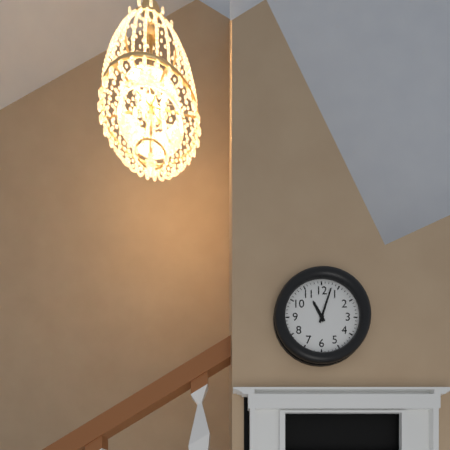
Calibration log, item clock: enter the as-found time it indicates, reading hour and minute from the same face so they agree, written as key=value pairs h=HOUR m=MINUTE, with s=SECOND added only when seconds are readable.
h=11 m=3
